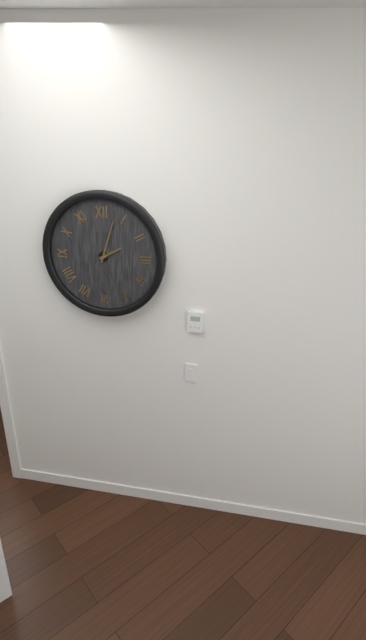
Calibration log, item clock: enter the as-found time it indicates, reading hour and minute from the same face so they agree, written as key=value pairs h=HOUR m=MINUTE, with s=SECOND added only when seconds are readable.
h=2 m=3
